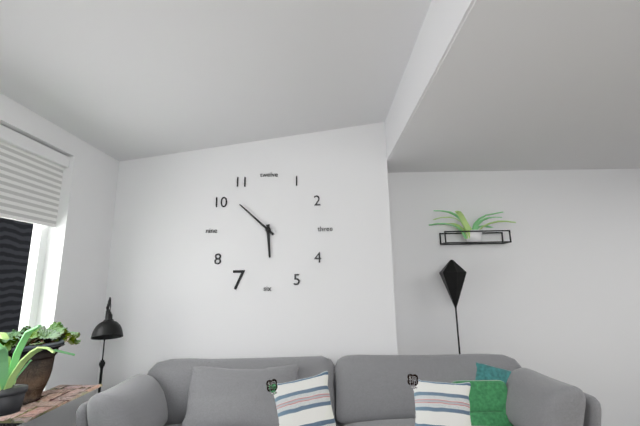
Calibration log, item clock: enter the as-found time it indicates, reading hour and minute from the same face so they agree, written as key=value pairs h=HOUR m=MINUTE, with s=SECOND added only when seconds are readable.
h=5 m=52
